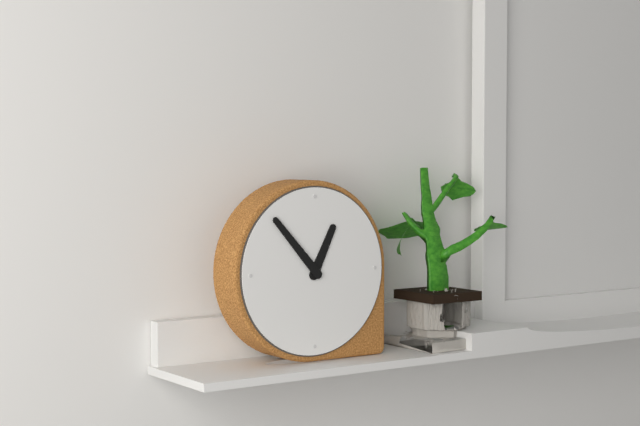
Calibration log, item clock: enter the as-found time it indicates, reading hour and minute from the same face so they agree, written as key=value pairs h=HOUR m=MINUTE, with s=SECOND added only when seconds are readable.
h=12 m=53
